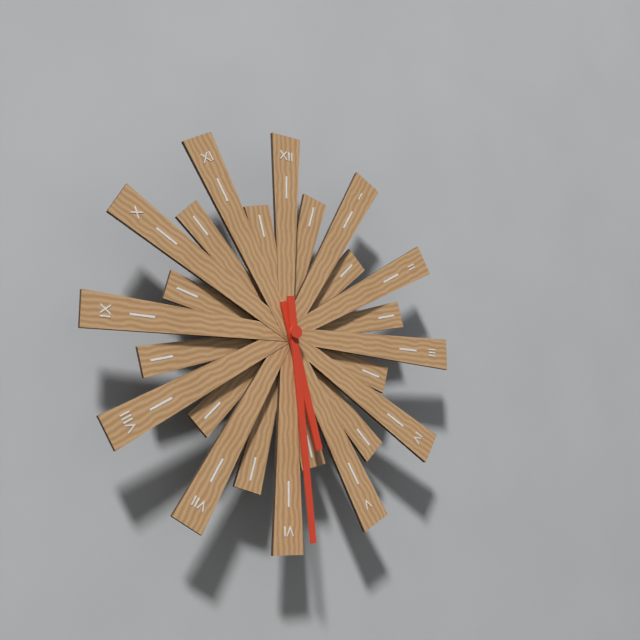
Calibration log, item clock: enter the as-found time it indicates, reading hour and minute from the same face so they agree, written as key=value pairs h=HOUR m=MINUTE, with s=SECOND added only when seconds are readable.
h=5 m=29
